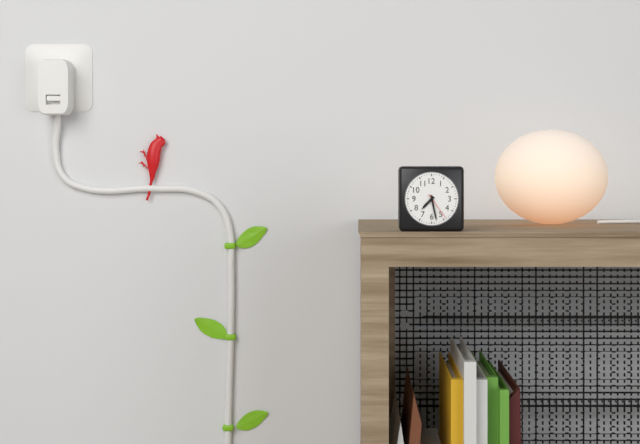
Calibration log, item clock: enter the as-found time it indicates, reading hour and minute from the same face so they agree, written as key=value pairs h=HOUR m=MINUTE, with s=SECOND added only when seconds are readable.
h=7 m=28
